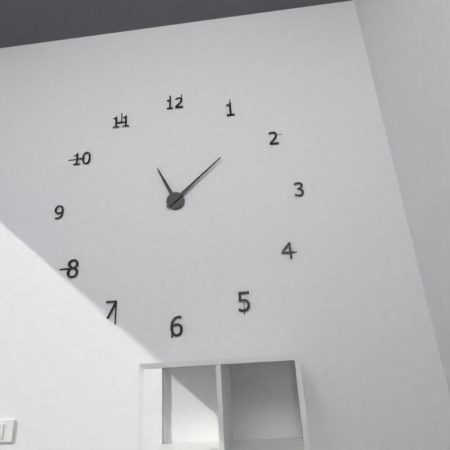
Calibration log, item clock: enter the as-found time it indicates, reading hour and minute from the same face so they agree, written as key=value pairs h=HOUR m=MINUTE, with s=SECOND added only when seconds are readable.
h=11 m=8
